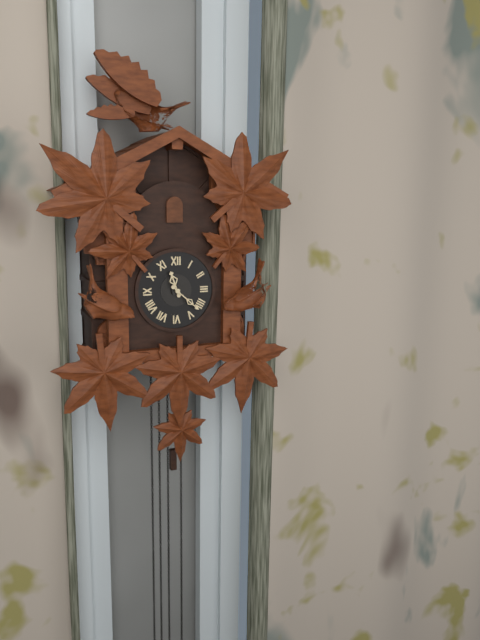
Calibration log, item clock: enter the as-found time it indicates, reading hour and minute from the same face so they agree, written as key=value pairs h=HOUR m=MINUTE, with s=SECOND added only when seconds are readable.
h=11 m=22
